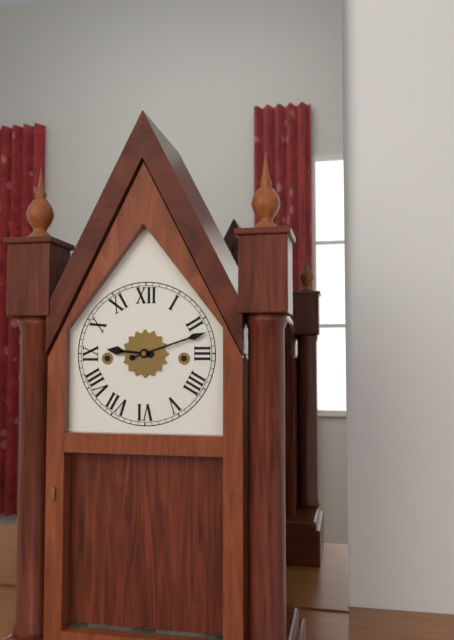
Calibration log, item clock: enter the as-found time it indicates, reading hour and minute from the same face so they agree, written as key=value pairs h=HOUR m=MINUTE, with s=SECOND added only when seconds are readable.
h=9 m=12
